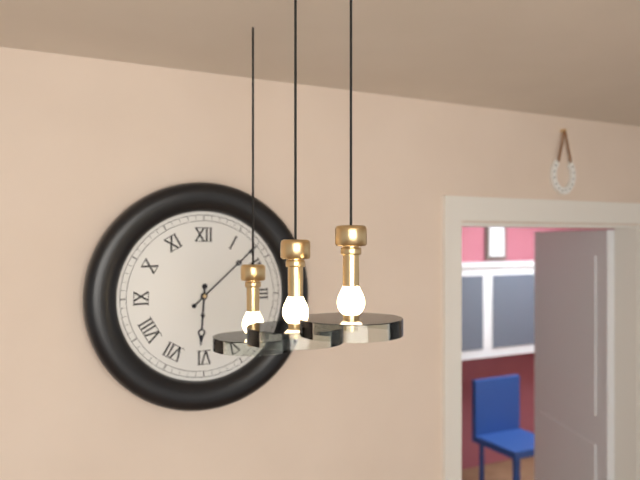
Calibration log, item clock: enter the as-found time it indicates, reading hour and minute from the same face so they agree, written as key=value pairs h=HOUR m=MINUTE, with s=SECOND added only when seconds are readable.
h=6 m=8
